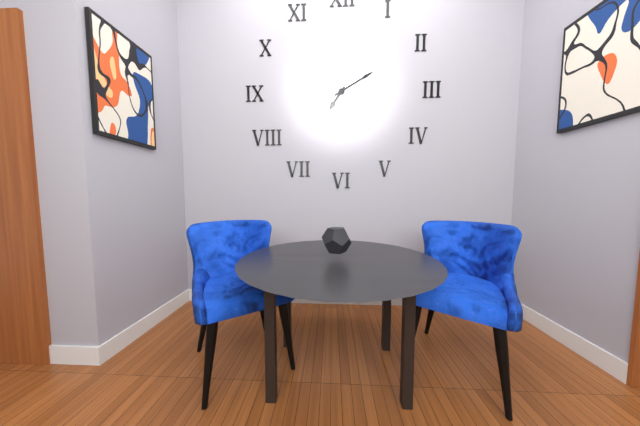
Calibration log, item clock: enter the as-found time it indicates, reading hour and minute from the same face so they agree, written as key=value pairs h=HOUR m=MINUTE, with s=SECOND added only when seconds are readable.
h=7 m=10
